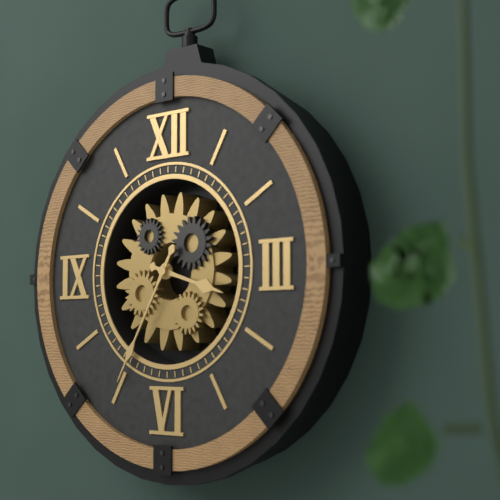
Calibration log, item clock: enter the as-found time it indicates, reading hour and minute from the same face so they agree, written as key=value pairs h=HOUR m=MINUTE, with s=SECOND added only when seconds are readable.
h=3 m=35
